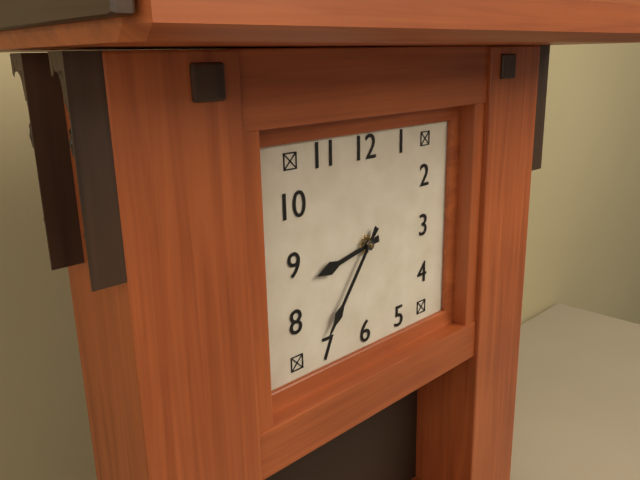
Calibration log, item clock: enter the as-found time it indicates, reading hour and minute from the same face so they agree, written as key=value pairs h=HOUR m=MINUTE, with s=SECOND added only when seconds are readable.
h=8 m=36
